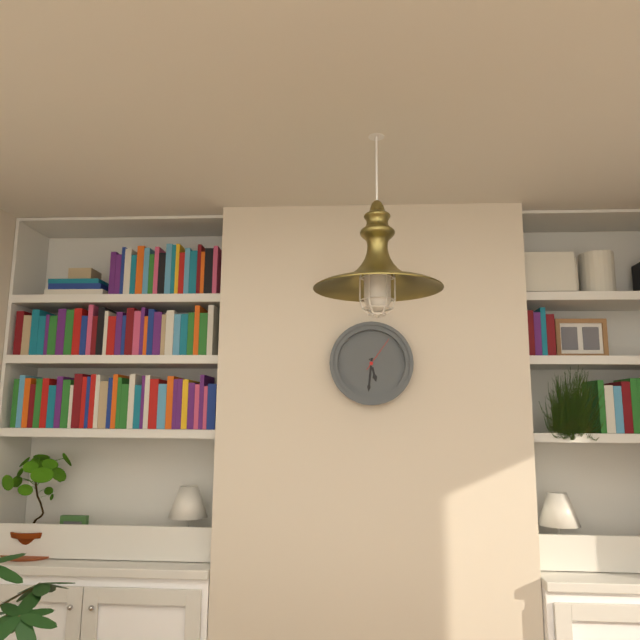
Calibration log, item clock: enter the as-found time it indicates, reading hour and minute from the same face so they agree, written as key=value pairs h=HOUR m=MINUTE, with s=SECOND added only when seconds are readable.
h=5 m=31
